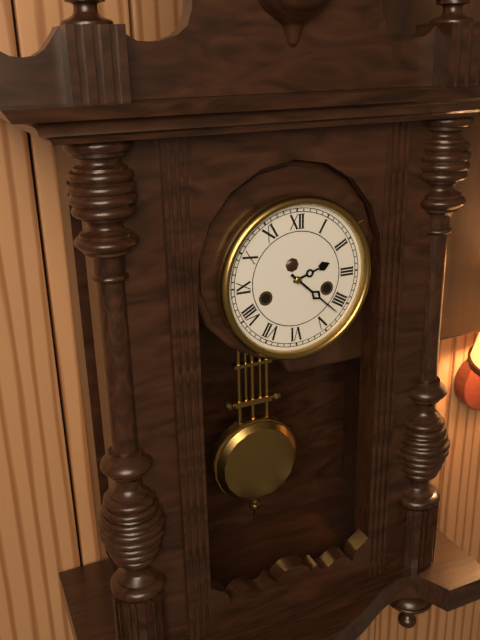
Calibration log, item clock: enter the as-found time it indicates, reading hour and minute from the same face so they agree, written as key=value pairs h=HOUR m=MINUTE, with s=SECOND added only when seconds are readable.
h=2 m=22
